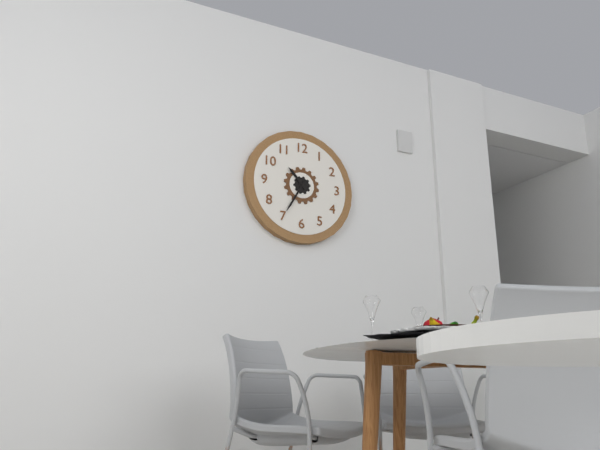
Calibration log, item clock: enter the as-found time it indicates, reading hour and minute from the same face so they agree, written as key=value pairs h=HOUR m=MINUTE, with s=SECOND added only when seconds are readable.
h=10 m=35
